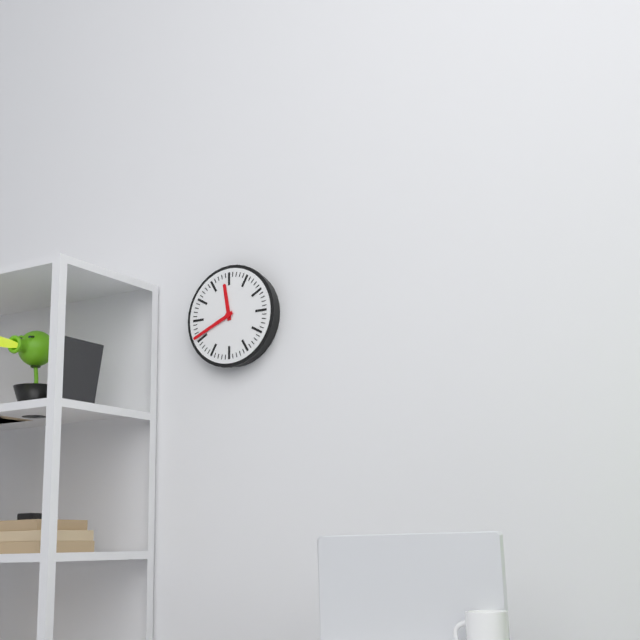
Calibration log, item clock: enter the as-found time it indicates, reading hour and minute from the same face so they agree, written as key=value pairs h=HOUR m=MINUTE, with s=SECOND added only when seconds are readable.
h=11 m=41
